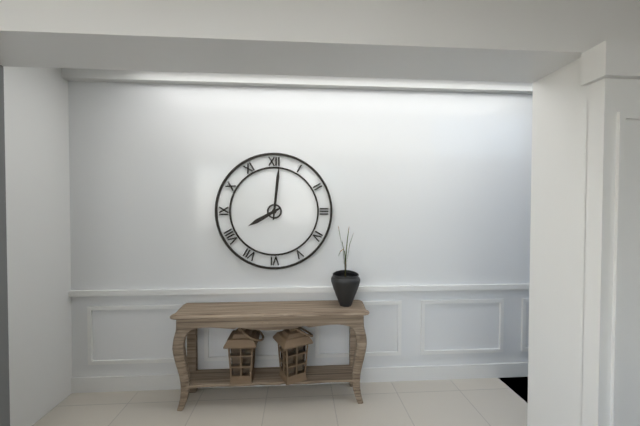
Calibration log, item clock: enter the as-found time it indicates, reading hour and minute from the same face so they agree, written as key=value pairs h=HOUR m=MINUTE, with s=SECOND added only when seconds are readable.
h=8 m=1
